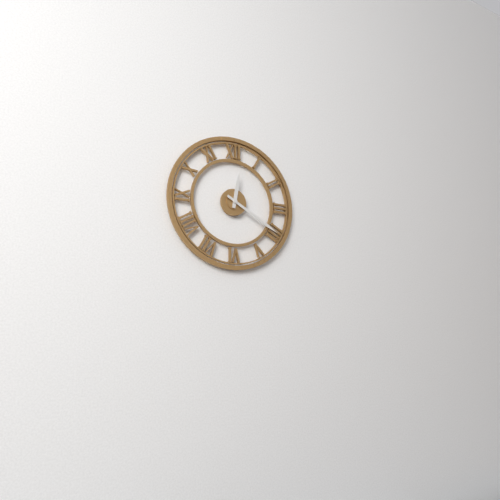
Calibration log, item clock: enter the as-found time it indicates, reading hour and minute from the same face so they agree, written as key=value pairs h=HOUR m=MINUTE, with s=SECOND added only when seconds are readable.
h=12 m=20
